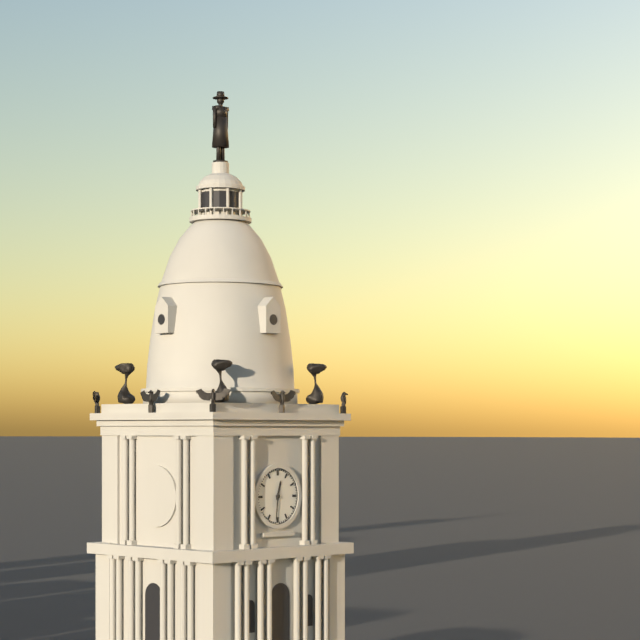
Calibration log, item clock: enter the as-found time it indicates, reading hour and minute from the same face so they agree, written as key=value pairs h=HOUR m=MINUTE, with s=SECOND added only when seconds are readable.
h=12 m=31
